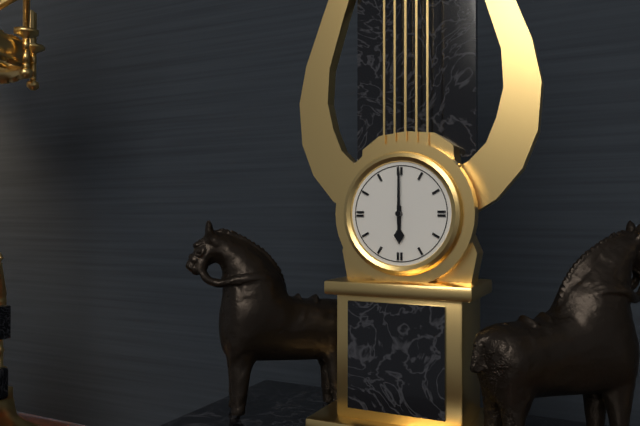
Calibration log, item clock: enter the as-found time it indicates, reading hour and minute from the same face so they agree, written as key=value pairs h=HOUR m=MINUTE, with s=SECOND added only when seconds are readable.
h=6 m=0
